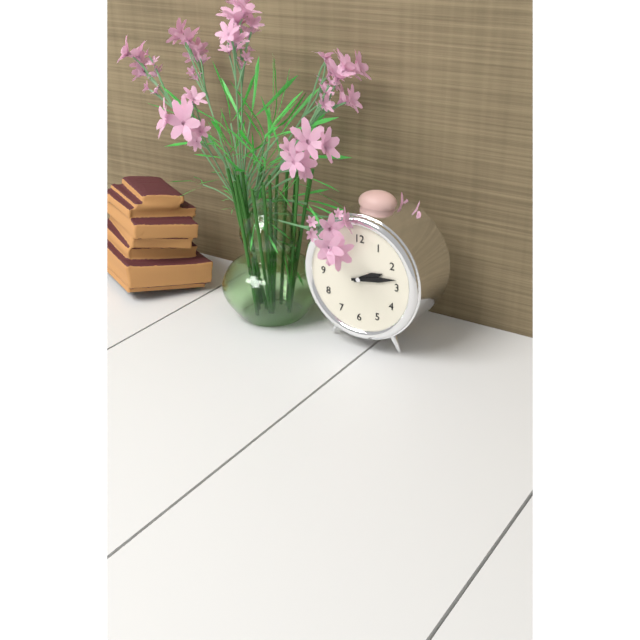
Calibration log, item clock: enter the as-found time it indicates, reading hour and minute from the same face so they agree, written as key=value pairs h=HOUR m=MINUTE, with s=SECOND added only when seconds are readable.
h=2 m=13
